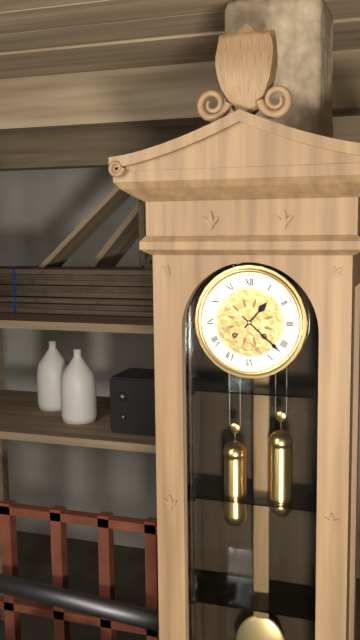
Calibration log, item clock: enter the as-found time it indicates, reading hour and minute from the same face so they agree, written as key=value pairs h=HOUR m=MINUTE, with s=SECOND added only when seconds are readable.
h=1 m=22
